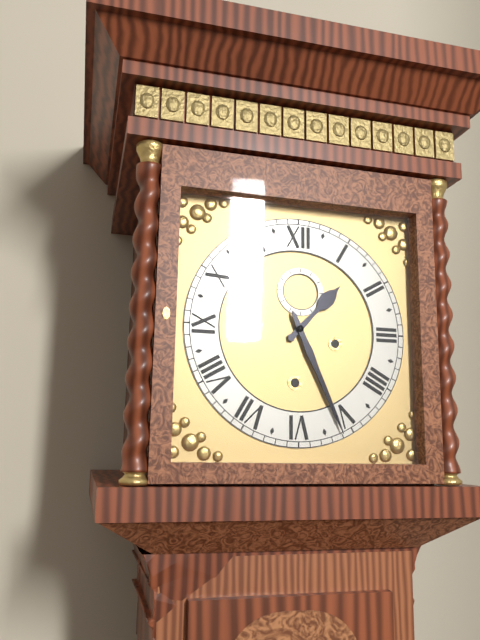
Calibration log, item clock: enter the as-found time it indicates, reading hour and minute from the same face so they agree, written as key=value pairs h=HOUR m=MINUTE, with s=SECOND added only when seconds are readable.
h=1 m=26
